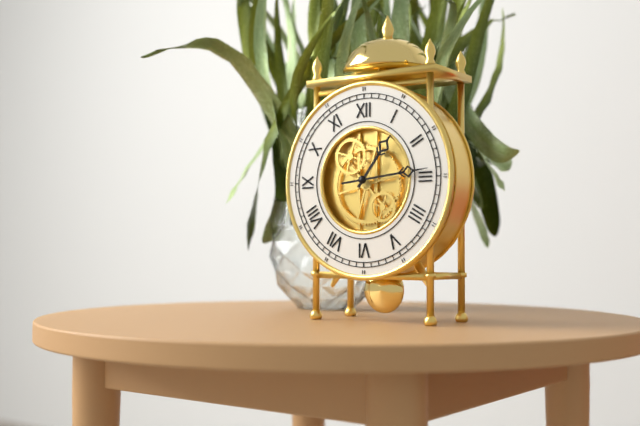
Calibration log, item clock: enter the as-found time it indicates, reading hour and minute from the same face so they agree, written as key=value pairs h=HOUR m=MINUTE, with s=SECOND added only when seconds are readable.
h=1 m=14
